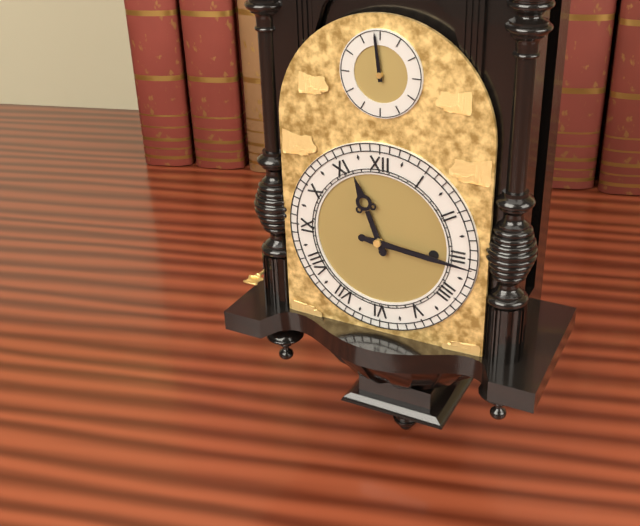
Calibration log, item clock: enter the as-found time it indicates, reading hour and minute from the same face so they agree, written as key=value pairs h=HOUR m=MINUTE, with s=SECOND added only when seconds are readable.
h=11 m=16
